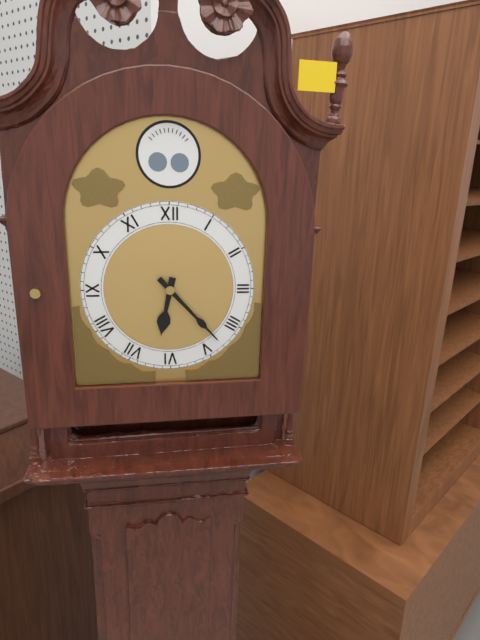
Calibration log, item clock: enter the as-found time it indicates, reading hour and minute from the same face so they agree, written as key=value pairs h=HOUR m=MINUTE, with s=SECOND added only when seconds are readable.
h=6 m=23
